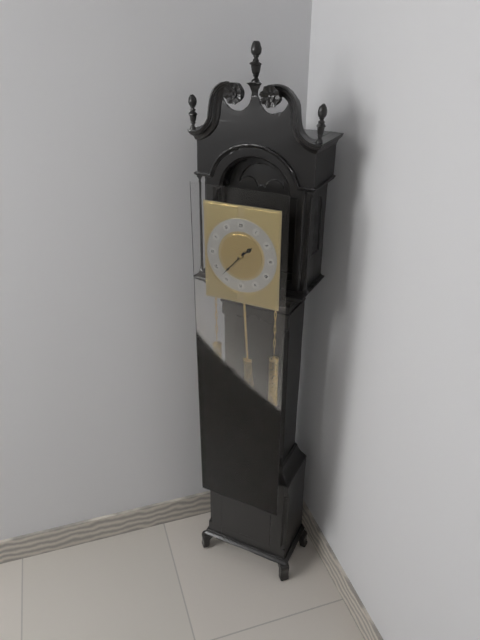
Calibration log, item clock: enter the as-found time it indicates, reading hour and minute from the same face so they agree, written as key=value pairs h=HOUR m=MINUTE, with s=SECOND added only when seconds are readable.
h=1 m=37
